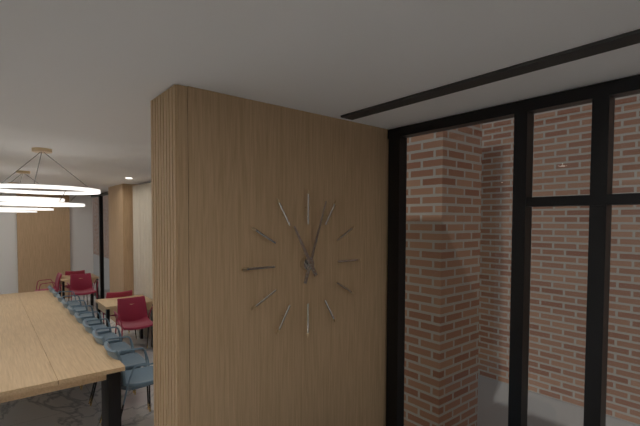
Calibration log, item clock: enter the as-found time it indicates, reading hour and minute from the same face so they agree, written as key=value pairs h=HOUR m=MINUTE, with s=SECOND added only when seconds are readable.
h=11 m=3
